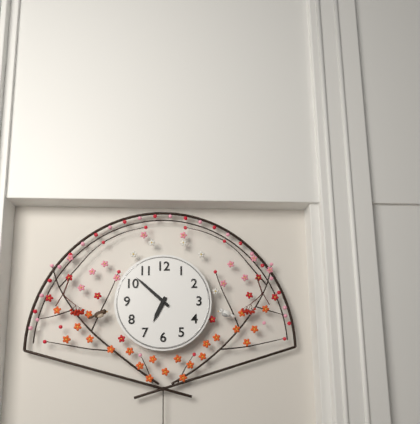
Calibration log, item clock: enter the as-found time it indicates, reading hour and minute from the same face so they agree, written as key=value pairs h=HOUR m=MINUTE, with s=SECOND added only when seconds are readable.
h=6 m=52
